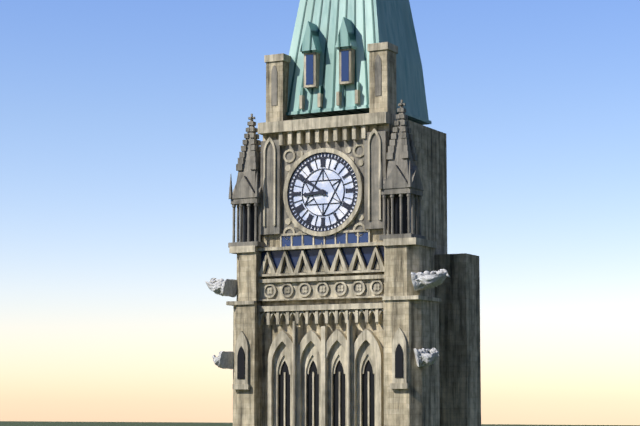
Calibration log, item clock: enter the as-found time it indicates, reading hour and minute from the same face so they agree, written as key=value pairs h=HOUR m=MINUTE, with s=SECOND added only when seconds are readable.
h=8 m=51
